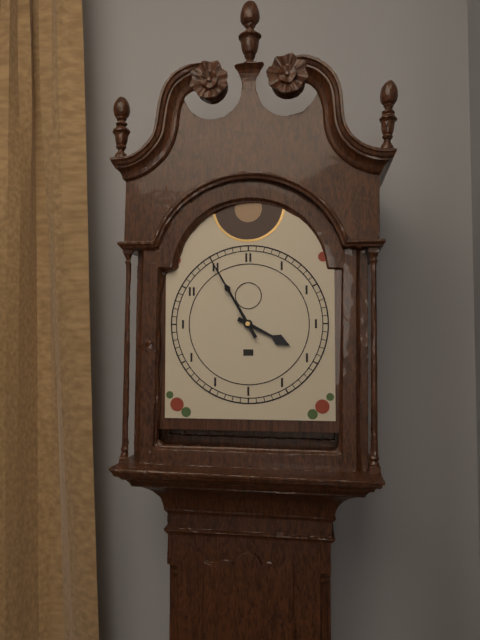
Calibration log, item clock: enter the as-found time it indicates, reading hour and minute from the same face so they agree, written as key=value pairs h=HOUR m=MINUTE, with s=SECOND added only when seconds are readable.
h=3 m=55
